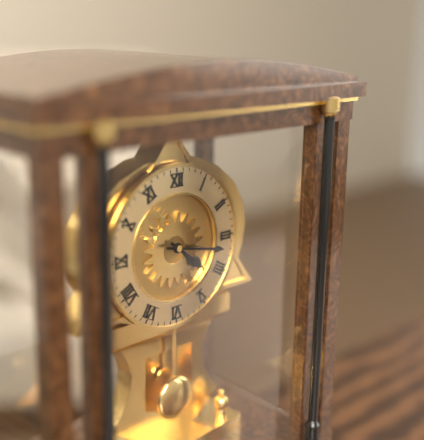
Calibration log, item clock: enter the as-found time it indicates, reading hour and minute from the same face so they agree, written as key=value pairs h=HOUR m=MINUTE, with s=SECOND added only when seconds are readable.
h=4 m=17
